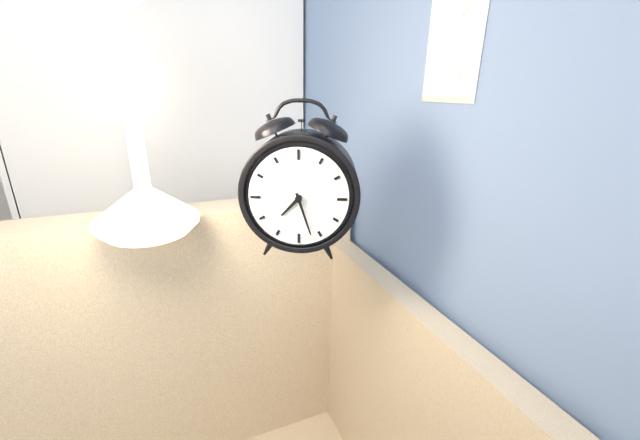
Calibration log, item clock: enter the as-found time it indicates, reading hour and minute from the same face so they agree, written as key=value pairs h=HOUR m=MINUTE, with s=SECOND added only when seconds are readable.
h=7 m=27
